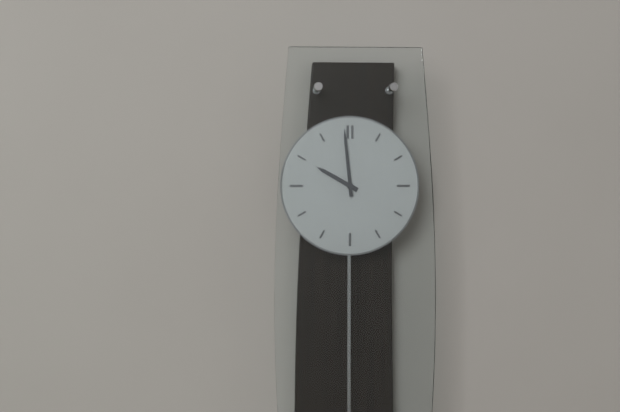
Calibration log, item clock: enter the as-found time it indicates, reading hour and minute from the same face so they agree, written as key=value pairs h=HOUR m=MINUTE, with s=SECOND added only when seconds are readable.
h=9 m=59
